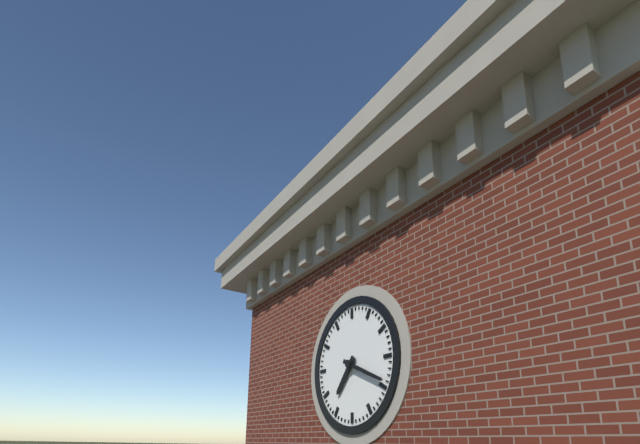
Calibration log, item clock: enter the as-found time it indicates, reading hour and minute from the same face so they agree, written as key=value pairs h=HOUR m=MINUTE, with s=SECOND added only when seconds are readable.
h=7 m=19
